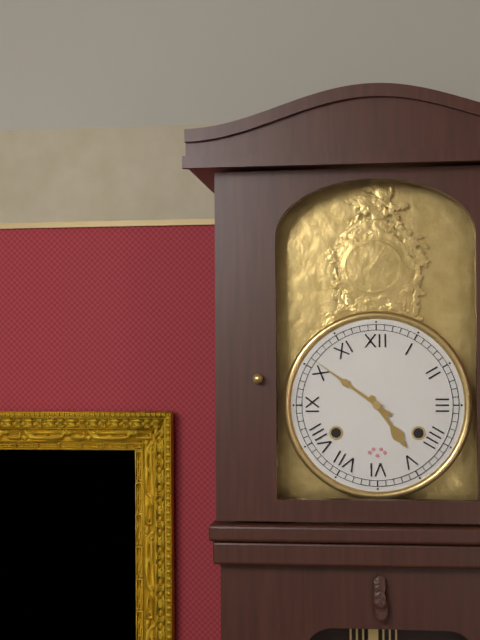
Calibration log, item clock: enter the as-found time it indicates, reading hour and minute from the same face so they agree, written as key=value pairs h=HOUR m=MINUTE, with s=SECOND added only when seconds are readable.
h=4 m=51
